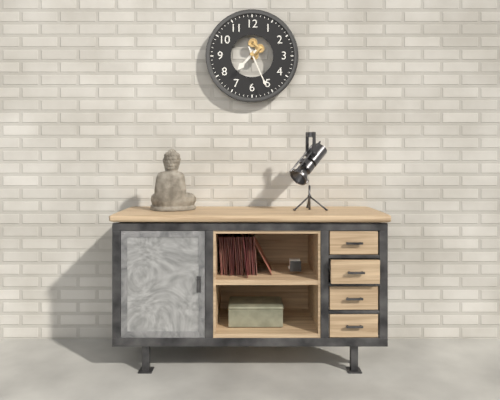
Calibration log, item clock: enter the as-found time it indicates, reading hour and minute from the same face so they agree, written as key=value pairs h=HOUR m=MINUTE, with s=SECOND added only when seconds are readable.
h=7 m=26
